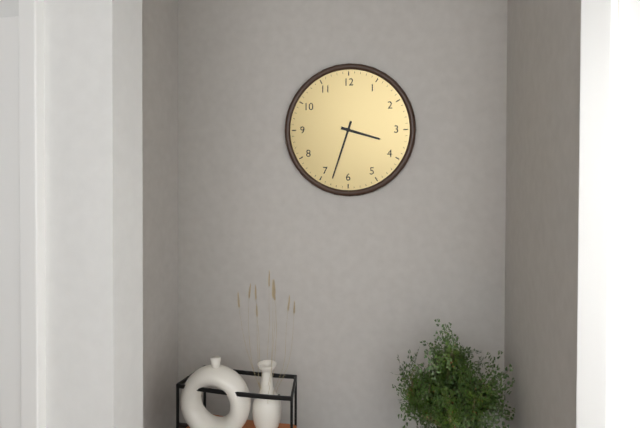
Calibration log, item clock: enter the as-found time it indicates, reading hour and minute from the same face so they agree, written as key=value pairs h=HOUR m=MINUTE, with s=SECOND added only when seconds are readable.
h=3 m=33
